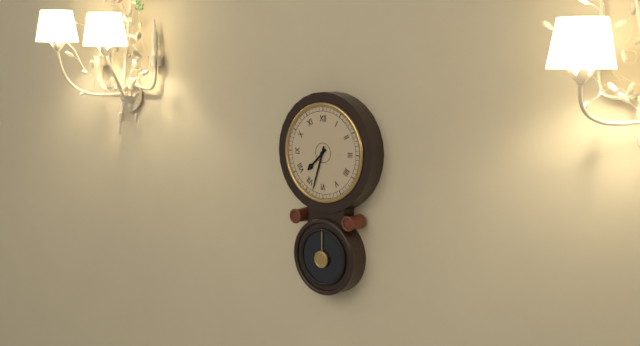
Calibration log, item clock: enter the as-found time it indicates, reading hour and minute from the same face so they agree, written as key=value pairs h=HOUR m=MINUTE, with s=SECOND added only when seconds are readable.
h=7 m=33
